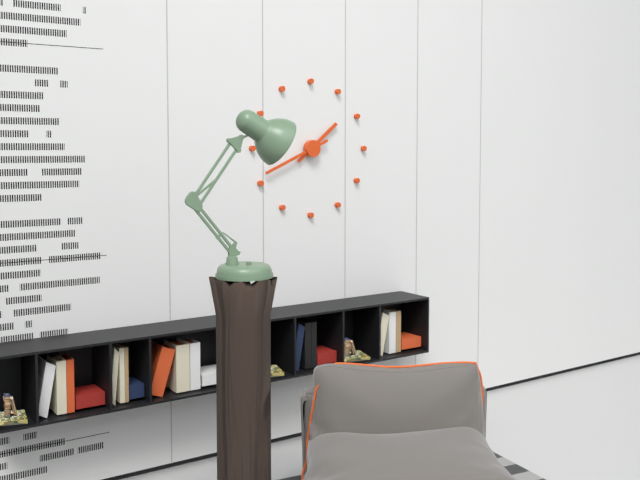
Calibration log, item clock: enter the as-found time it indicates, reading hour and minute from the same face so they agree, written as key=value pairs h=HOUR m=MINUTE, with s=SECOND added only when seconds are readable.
h=1 m=41
